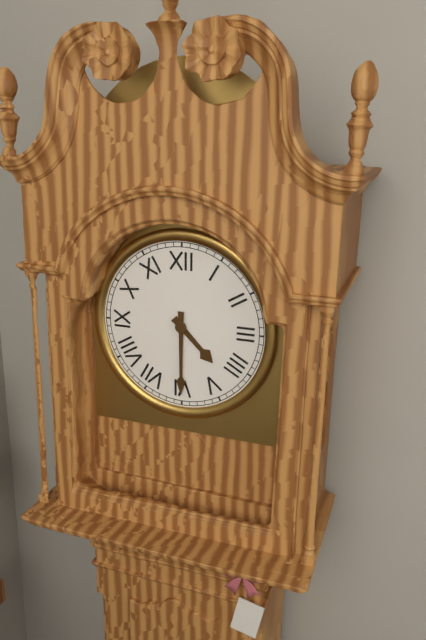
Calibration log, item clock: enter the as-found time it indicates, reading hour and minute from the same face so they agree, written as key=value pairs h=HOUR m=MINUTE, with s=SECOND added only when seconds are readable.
h=4 m=30
